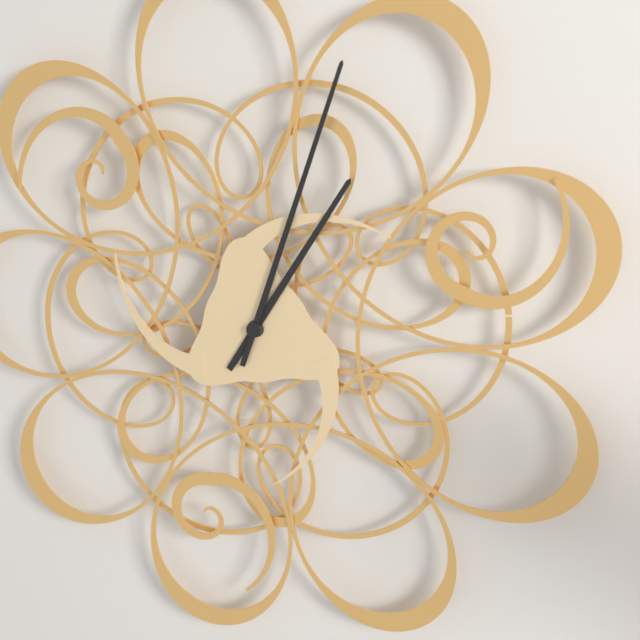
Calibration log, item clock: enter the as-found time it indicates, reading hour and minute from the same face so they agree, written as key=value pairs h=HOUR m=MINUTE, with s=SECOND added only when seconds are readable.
h=1 m=3
